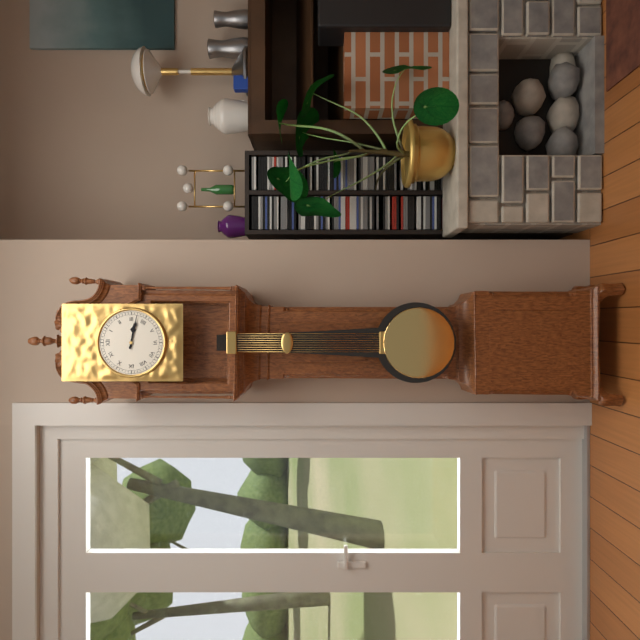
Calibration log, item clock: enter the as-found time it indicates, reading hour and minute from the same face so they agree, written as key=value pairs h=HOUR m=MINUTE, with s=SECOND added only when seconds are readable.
h=3 m=17
